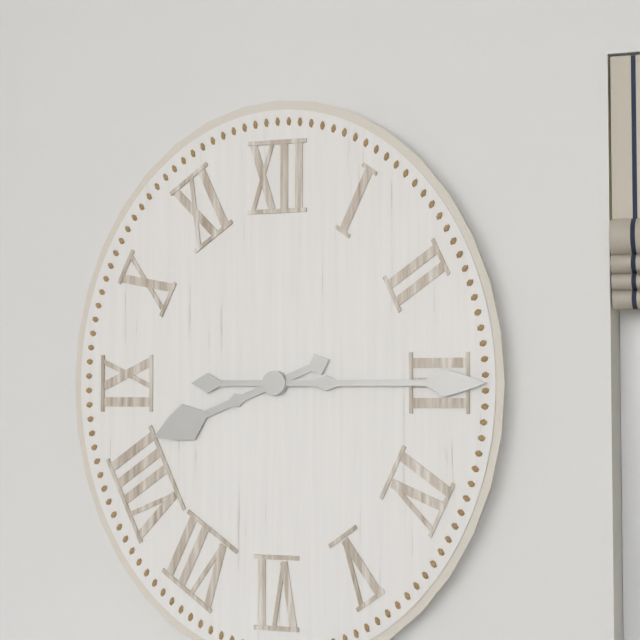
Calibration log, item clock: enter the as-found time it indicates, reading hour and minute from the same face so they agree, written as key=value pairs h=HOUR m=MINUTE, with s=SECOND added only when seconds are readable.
h=8 m=15
